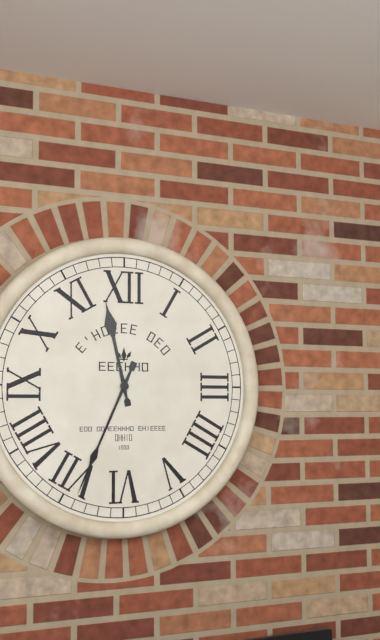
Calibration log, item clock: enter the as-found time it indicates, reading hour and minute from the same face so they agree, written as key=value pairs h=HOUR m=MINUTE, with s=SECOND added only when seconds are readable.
h=11 m=34
